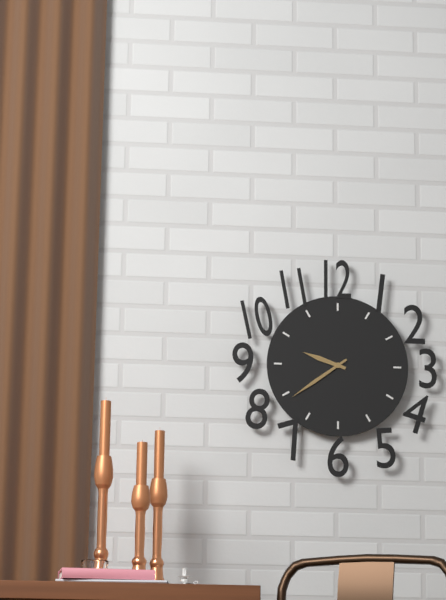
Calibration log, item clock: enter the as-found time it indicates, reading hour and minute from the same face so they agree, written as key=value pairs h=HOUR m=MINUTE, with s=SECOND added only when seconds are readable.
h=9 m=39
